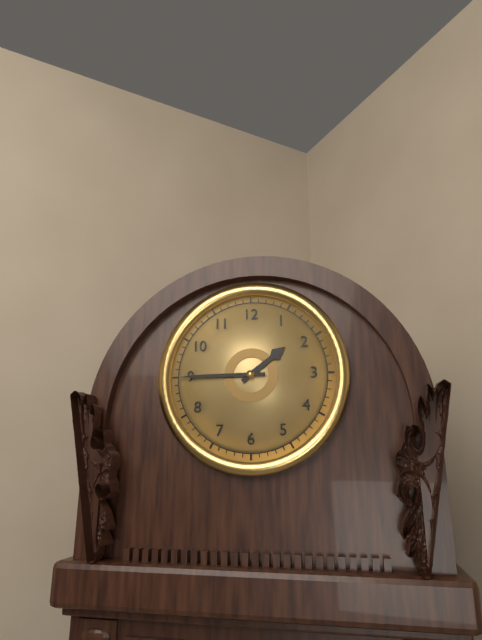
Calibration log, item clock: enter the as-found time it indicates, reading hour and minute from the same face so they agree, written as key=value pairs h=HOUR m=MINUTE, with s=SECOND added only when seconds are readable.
h=1 m=45
